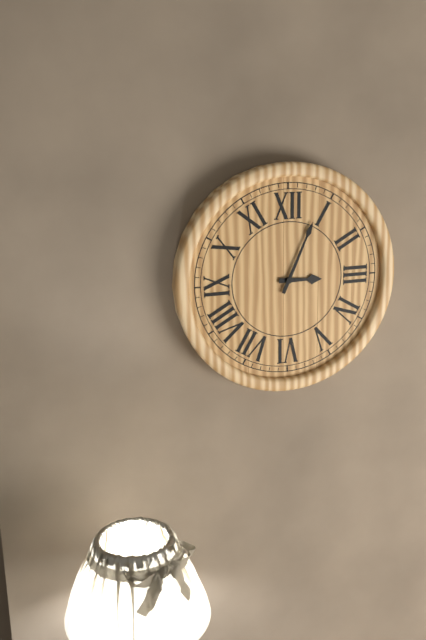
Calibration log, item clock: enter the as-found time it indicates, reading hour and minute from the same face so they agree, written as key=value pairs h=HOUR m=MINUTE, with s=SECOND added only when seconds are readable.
h=3 m=4
